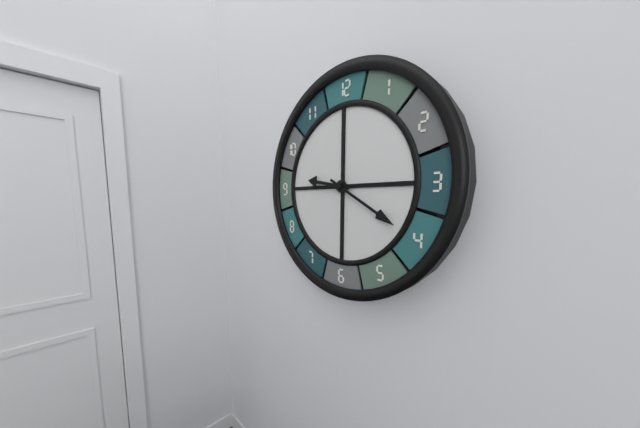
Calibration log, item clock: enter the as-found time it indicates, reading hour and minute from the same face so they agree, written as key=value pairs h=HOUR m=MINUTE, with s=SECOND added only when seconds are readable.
h=9 m=20
